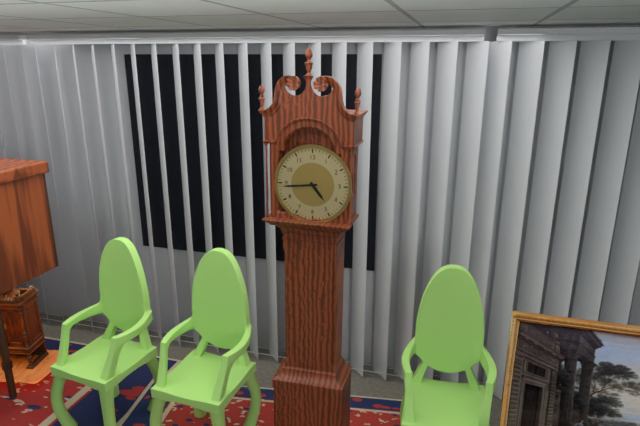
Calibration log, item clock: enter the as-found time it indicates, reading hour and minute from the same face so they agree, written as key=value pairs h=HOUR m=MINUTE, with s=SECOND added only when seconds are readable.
h=4 m=44
